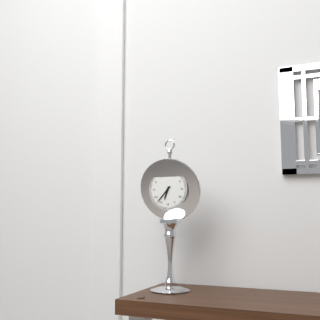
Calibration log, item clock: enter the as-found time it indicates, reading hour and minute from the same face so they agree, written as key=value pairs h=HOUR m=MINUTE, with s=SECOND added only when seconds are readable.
h=6 m=37
